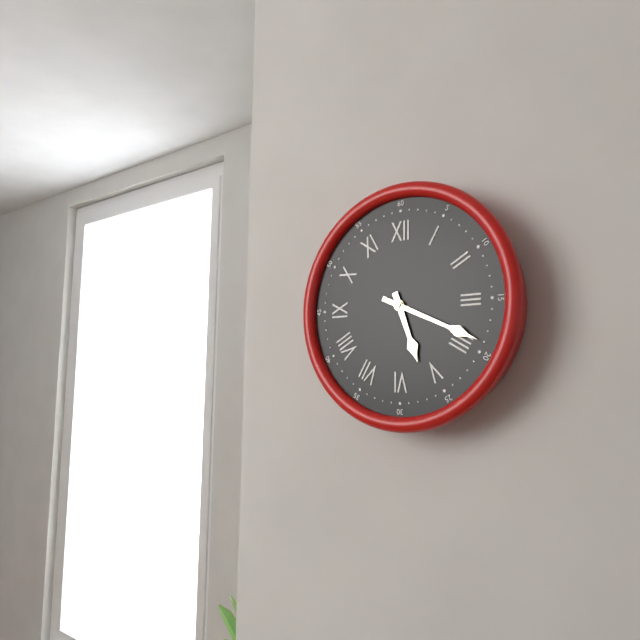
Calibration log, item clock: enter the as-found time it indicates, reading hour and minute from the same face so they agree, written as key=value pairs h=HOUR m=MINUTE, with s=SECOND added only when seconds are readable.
h=5 m=19
